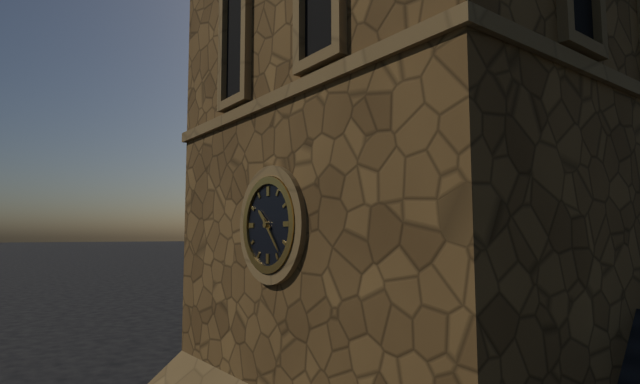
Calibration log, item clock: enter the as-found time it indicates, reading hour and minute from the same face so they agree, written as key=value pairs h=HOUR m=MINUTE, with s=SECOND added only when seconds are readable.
h=10 m=23
